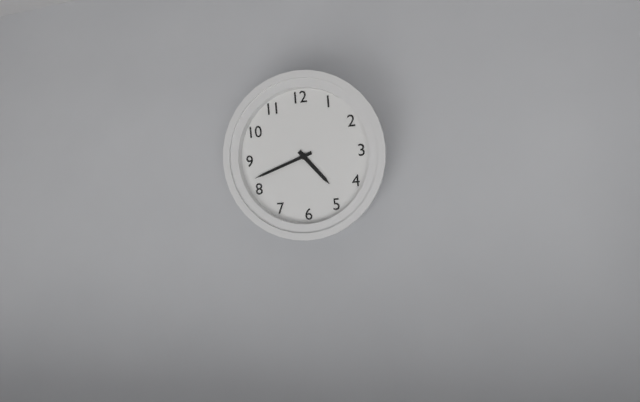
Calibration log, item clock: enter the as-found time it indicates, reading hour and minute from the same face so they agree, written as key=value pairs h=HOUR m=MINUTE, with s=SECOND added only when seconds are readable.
h=4 m=42
